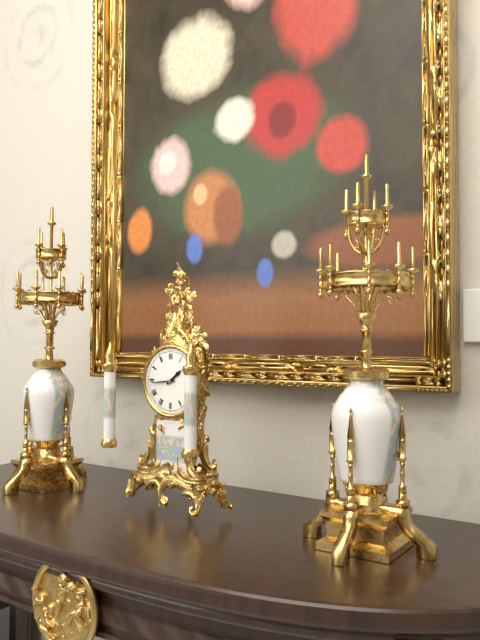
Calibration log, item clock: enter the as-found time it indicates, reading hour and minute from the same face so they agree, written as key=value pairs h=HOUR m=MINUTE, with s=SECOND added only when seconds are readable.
h=1 m=44
